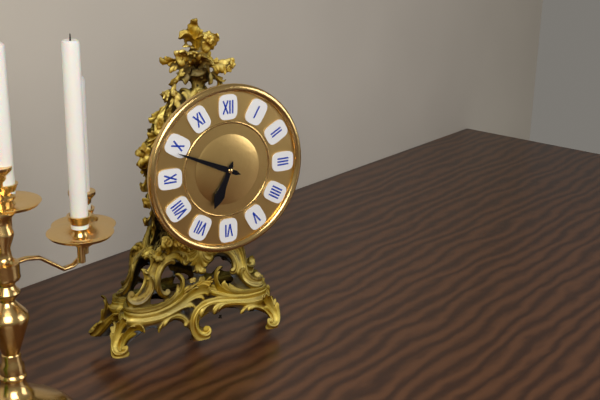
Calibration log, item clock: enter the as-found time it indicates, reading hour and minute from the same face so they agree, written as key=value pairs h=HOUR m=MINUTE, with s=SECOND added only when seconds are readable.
h=6 m=49
